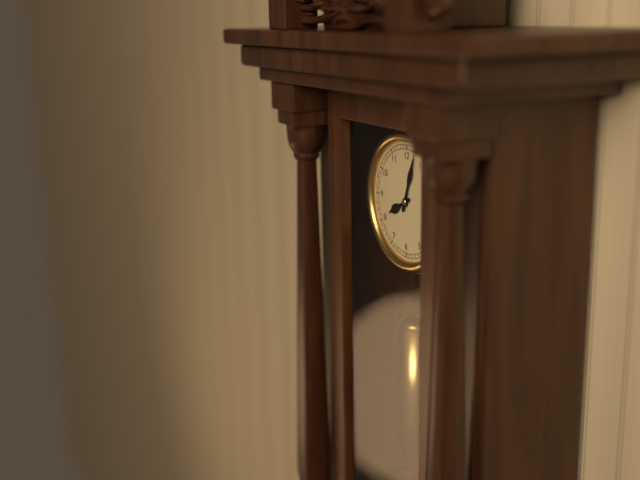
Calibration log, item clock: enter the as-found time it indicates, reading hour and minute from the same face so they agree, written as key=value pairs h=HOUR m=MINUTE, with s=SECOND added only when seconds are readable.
h=8 m=3
